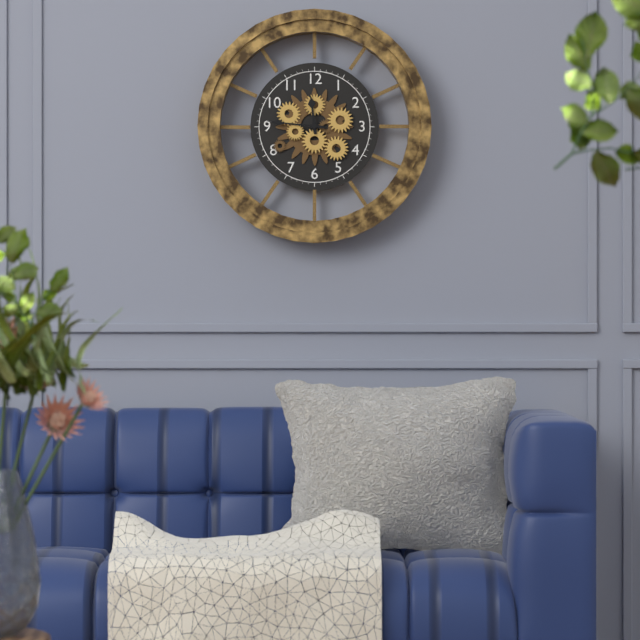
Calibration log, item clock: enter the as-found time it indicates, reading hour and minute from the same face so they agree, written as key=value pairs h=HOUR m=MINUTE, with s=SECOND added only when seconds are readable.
h=11 m=46
